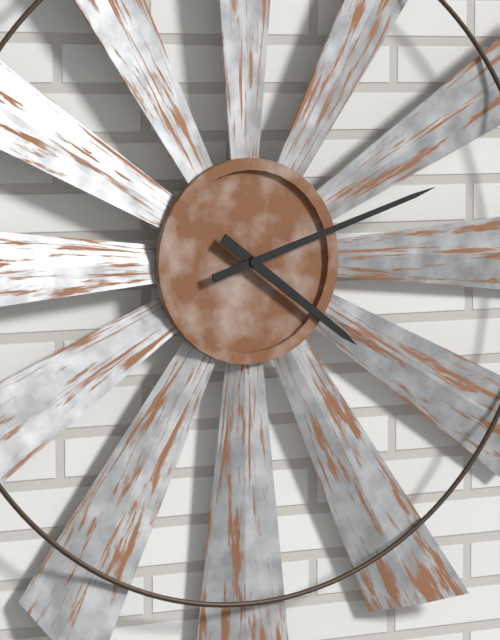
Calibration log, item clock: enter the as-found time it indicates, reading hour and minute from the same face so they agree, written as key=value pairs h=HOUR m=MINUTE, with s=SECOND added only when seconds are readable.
h=4 m=12
